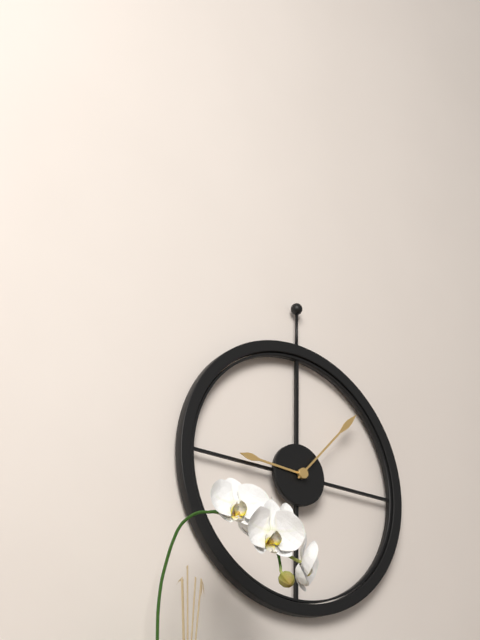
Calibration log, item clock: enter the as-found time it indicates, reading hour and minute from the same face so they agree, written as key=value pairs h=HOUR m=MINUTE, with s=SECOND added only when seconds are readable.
h=9 m=7
